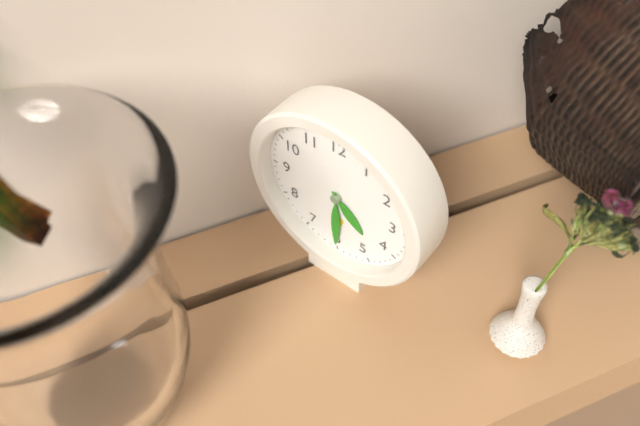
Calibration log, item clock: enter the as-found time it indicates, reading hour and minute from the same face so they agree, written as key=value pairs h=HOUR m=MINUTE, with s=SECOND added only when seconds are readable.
h=4 m=30
